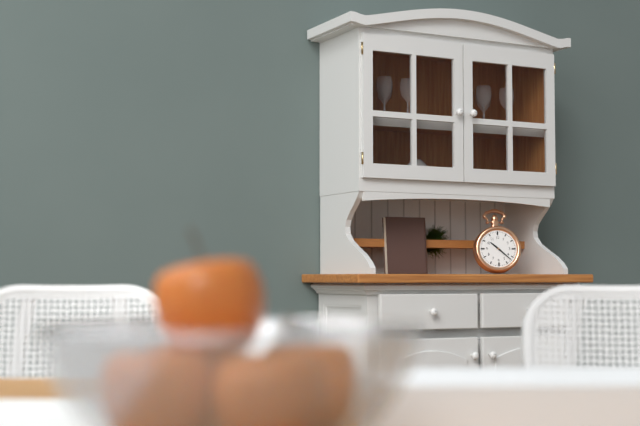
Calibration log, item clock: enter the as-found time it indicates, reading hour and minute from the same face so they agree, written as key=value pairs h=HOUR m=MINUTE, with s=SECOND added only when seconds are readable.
h=10 m=22
